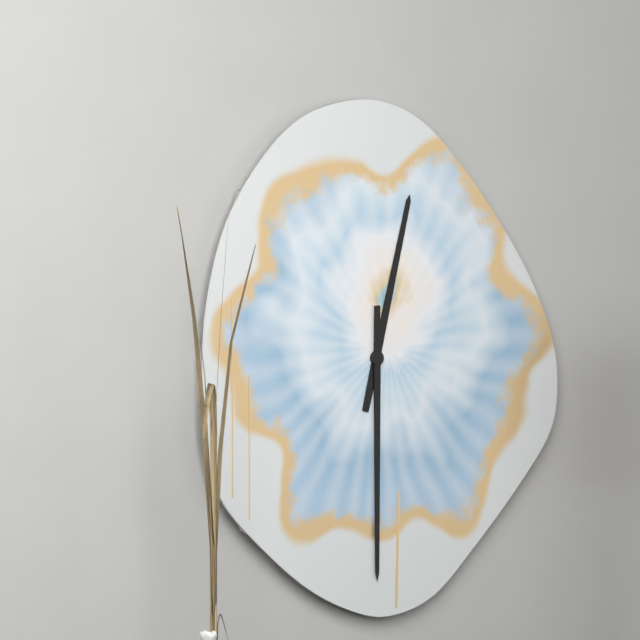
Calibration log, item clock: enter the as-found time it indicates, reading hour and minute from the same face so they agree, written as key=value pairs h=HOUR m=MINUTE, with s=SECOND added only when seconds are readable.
h=12 m=30
